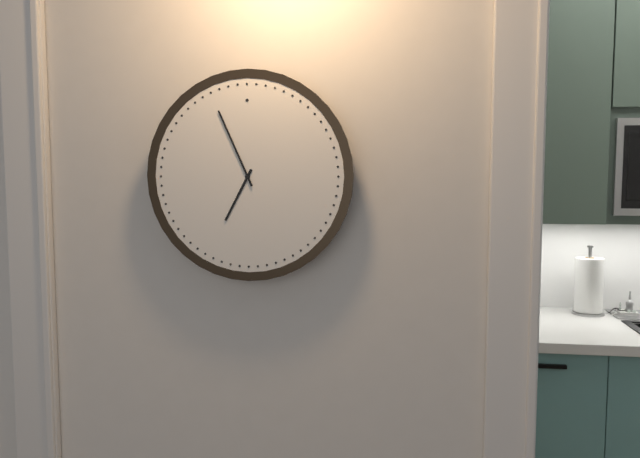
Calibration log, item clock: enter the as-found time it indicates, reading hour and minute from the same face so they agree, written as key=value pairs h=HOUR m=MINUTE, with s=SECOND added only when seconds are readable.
h=6 m=56
